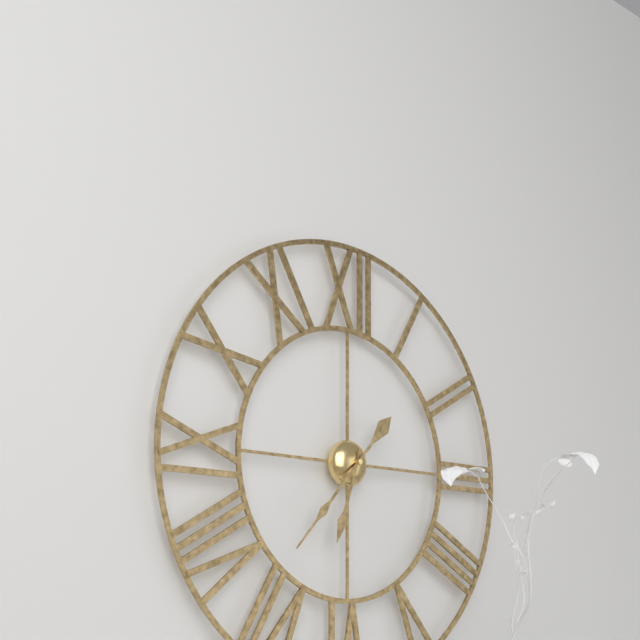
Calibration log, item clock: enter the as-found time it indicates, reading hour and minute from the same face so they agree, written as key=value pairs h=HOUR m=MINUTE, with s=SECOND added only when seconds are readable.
h=6 m=37
